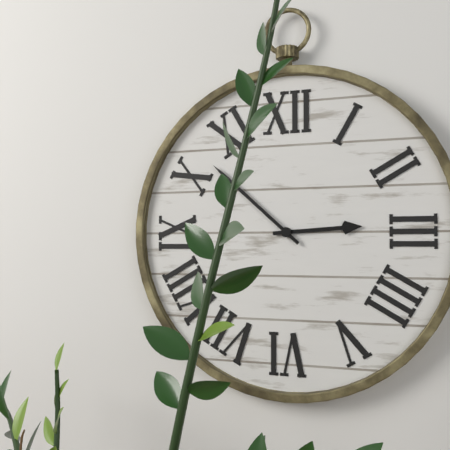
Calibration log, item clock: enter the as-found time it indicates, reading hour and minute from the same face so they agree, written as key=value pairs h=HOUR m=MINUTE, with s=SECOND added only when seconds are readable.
h=2 m=52
